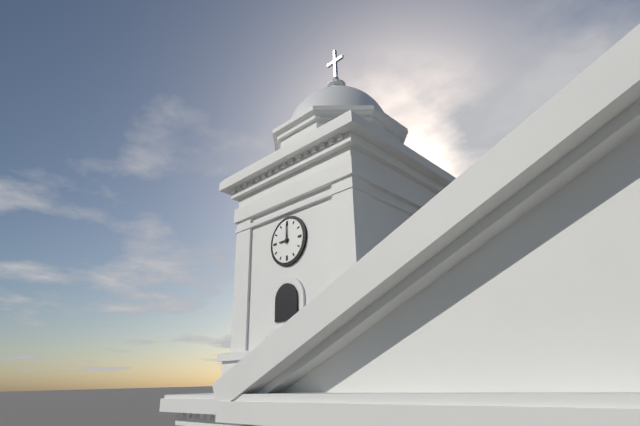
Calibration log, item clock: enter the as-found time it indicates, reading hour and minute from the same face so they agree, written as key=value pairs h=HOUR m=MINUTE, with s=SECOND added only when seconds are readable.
h=9 m=0
